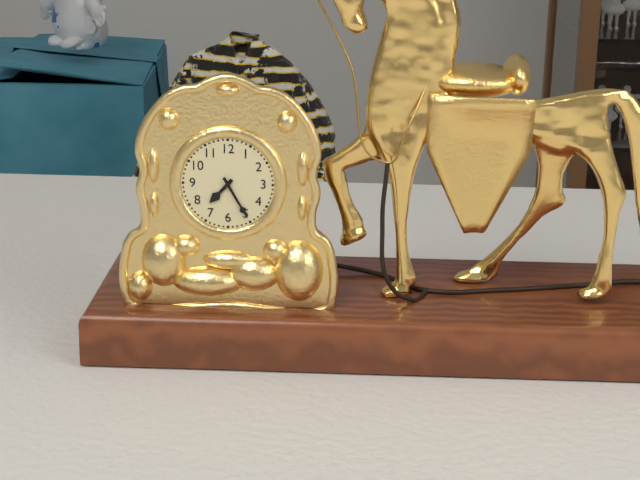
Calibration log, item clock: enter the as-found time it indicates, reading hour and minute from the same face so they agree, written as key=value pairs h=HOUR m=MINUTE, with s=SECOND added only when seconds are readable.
h=7 m=25
